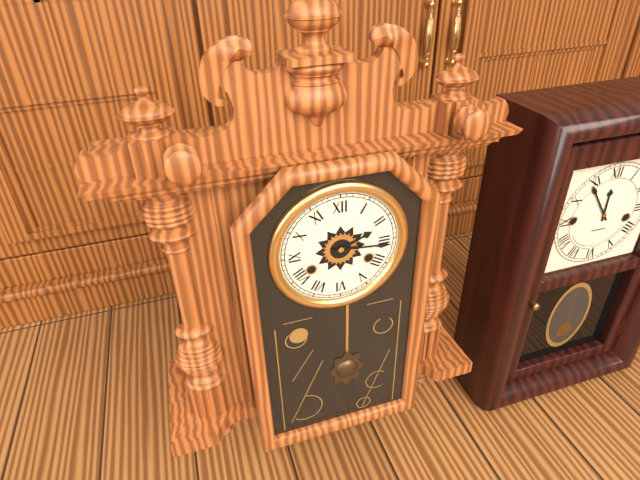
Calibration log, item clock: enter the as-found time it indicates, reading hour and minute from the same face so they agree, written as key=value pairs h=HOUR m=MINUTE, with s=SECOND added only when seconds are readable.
h=2 m=16
